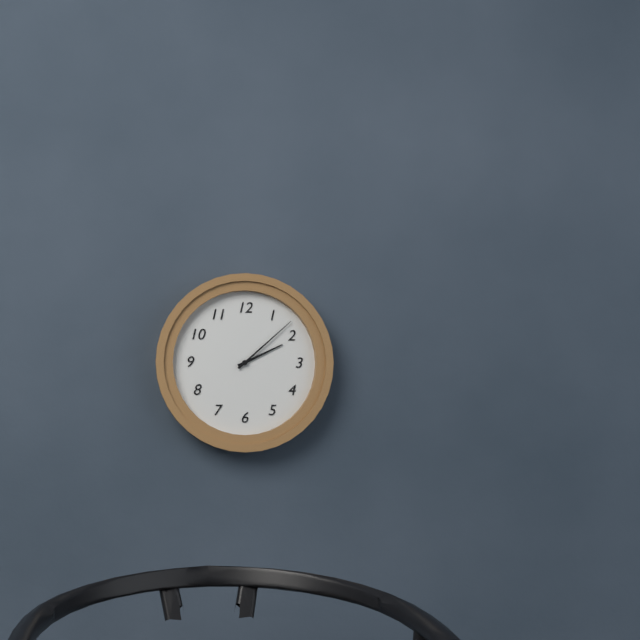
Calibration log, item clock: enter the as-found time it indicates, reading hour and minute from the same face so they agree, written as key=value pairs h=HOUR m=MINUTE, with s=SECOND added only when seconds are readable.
h=2 m=8
